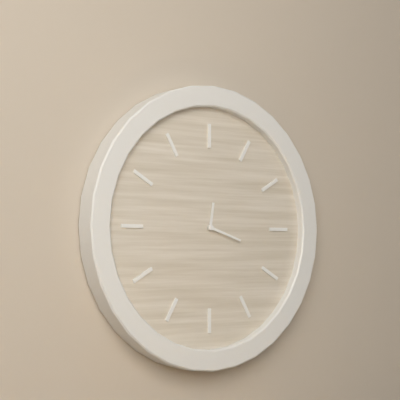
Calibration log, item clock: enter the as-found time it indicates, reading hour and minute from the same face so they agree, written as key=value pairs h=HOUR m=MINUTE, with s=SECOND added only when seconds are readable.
h=12 m=18
